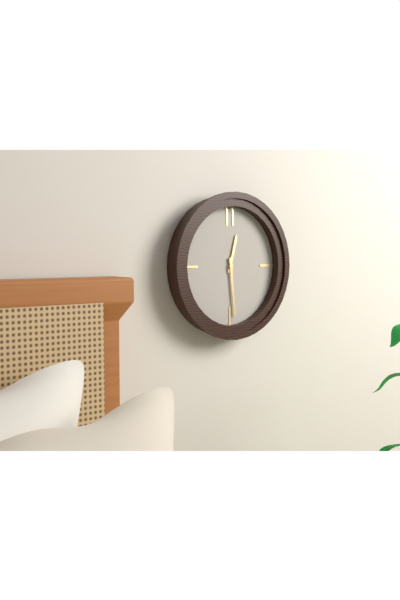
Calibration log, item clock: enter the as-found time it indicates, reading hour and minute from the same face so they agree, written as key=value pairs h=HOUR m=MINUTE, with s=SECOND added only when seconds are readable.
h=12 m=29
